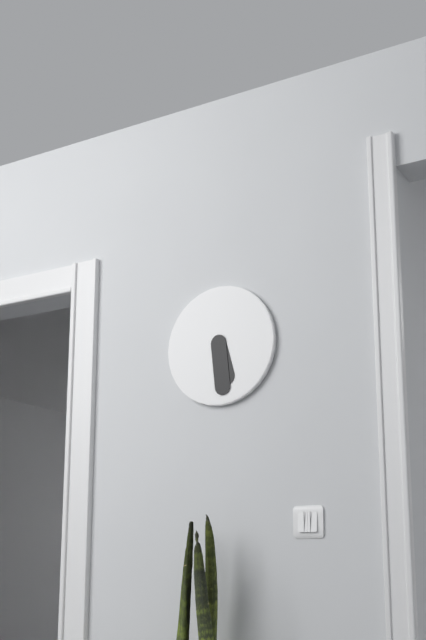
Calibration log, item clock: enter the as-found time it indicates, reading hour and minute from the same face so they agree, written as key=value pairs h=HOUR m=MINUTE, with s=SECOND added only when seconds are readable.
h=5 m=29
